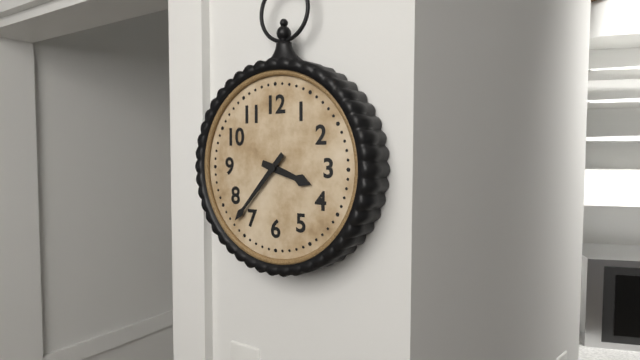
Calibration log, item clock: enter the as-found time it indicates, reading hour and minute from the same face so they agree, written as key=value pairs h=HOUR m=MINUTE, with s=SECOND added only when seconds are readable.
h=3 m=37
